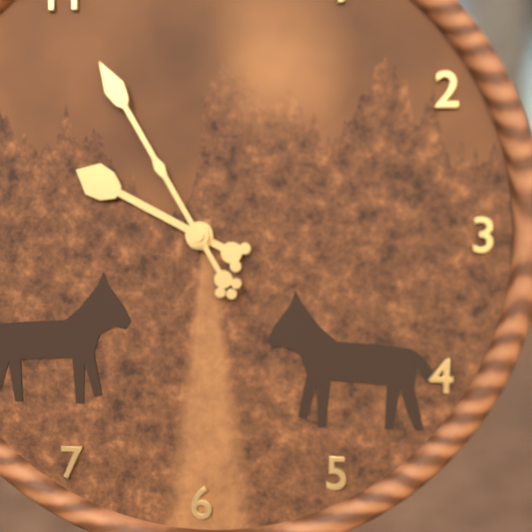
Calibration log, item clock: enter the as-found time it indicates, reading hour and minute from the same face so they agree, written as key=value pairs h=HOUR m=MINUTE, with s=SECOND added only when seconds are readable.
h=9 m=55
